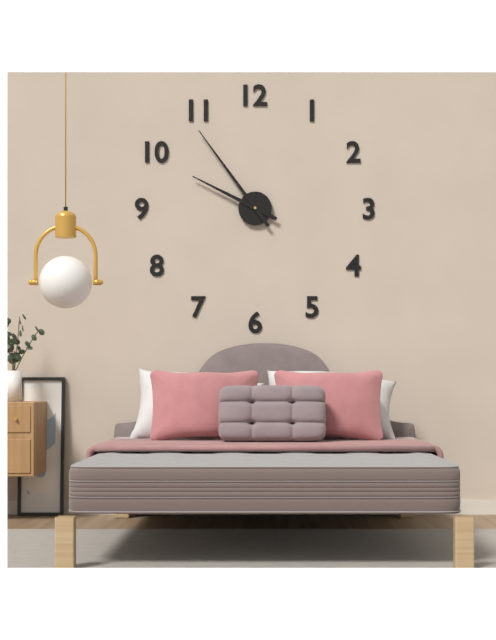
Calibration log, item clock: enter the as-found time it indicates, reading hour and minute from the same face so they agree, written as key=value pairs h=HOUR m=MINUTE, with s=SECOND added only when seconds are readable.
h=9 m=54
